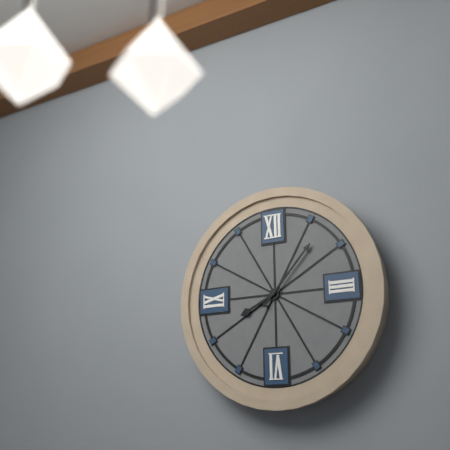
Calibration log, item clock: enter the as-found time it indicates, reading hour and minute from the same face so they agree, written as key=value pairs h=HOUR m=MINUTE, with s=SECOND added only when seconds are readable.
h=8 m=7
